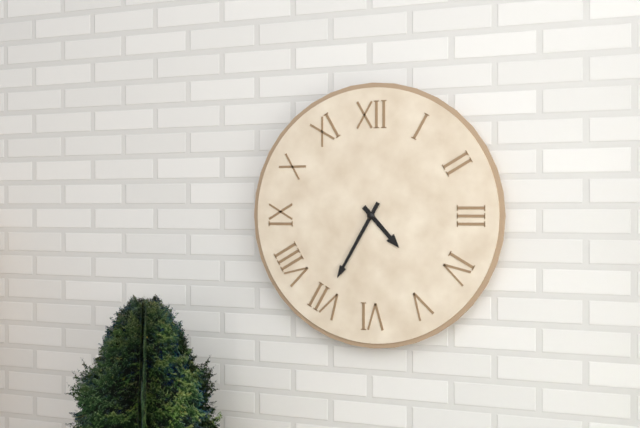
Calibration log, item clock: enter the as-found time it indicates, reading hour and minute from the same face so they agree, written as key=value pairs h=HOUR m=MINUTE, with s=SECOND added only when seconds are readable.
h=4 m=35
